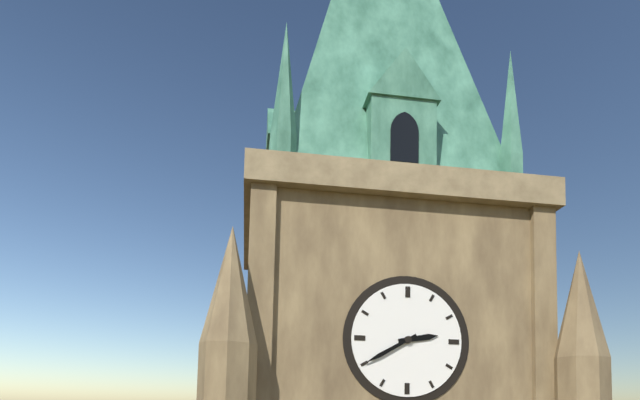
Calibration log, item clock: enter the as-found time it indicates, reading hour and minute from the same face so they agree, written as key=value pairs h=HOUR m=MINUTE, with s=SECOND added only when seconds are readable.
h=2 m=40
